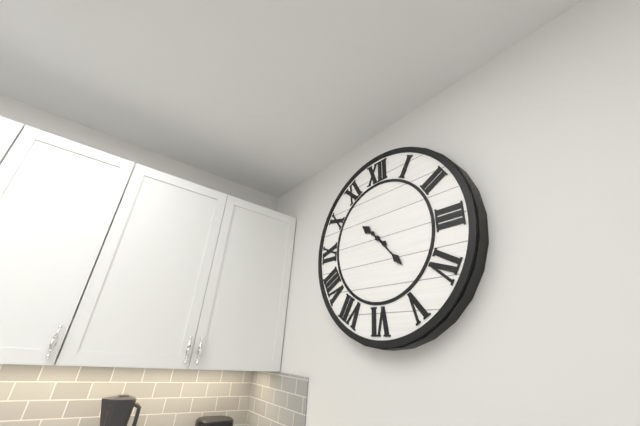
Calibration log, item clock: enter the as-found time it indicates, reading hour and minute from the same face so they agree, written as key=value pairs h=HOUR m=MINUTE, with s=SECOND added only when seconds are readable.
h=10 m=23
